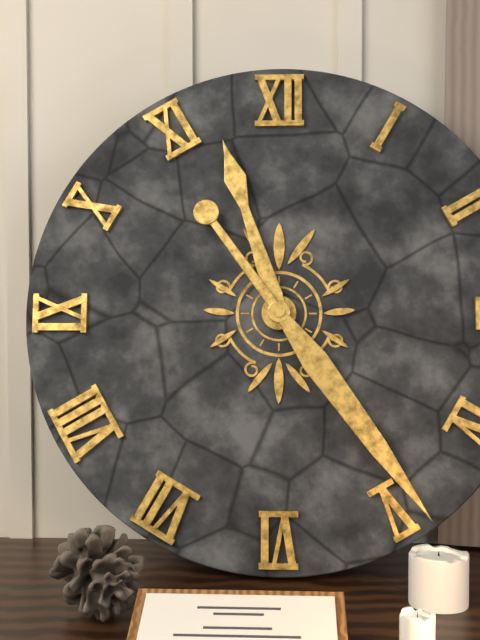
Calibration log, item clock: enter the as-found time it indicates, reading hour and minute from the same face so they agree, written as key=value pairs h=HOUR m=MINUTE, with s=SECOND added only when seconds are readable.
h=11 m=24
